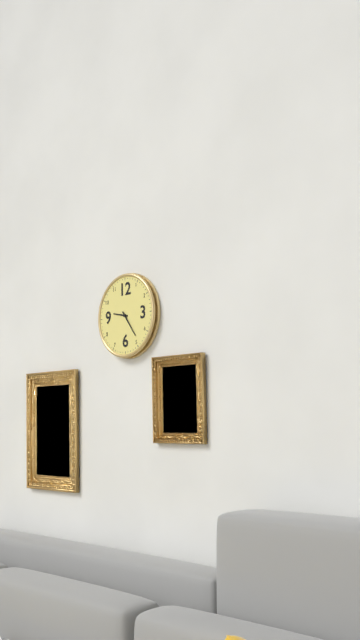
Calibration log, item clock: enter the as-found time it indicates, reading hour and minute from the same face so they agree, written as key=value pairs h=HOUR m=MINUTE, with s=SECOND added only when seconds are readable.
h=9 m=24
